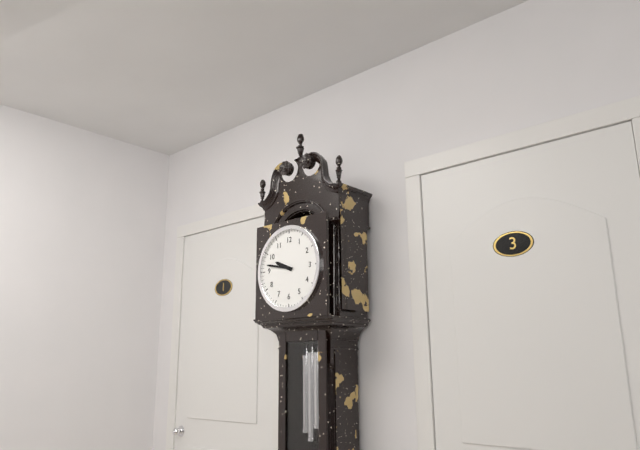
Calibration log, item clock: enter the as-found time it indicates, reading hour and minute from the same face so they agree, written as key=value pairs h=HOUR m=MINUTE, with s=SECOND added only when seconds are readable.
h=9 m=47
